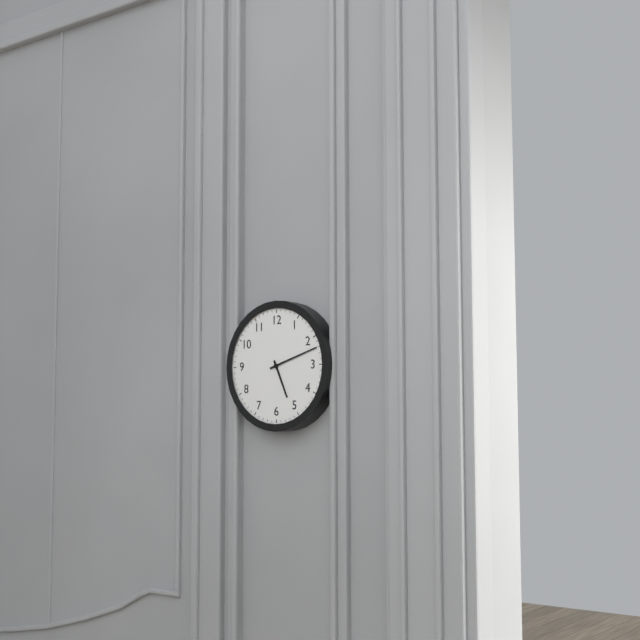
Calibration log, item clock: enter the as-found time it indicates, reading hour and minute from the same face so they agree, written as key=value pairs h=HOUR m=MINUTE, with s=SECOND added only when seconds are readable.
h=5 m=12
